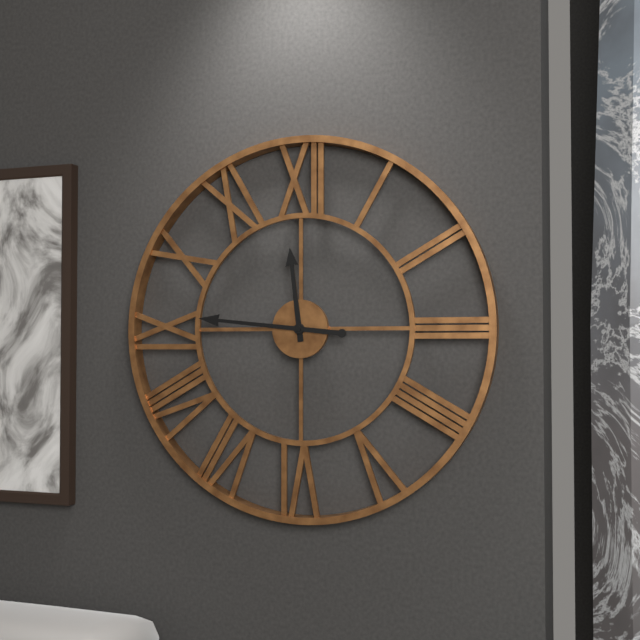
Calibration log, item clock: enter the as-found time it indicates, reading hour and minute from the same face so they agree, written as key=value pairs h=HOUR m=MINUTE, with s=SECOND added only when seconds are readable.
h=11 m=46
